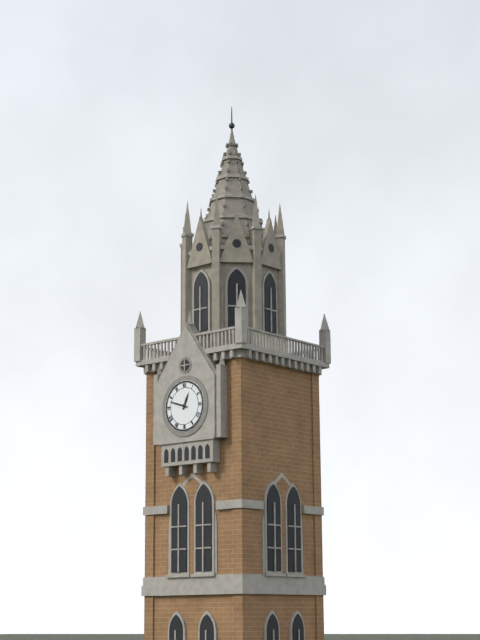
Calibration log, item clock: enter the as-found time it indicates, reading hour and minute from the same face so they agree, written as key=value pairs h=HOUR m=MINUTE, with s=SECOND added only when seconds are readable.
h=12 m=48
